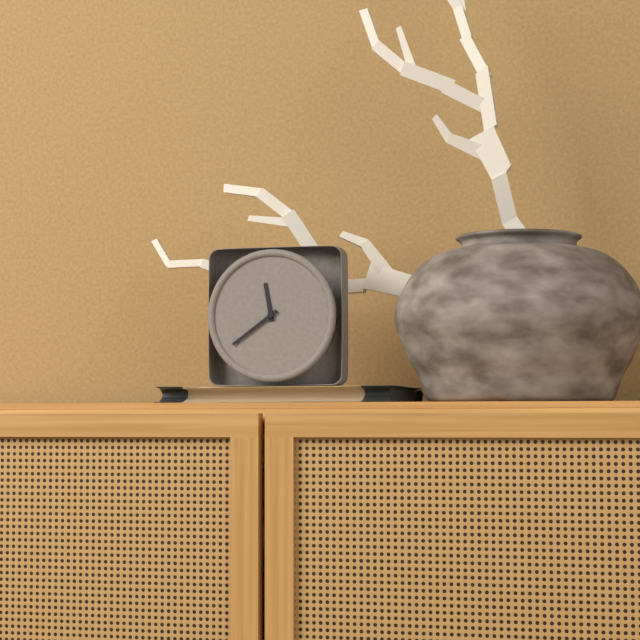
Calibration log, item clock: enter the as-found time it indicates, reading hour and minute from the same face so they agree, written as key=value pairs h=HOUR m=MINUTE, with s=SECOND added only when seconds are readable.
h=11 m=39
